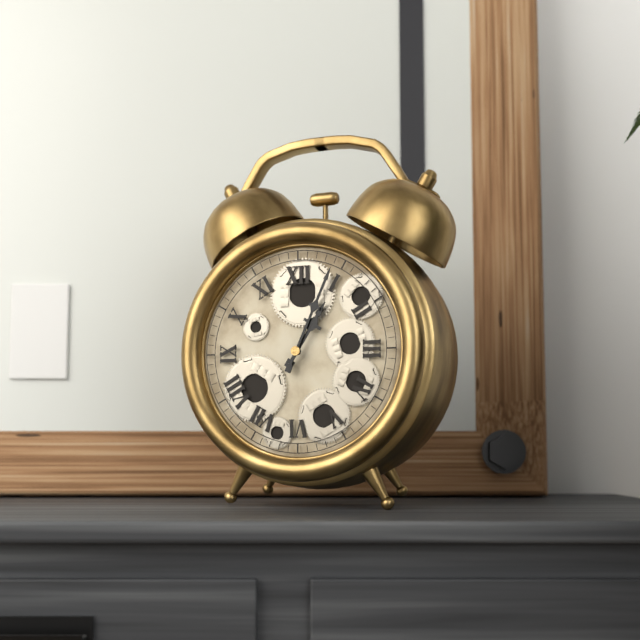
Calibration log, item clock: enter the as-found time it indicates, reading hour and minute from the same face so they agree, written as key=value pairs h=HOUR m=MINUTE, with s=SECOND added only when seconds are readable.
h=1 m=4
